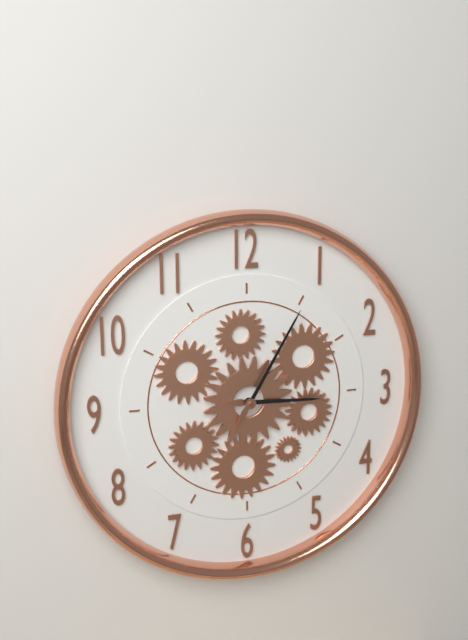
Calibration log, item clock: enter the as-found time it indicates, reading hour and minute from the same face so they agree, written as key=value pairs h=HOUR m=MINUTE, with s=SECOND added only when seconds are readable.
h=3 m=5
